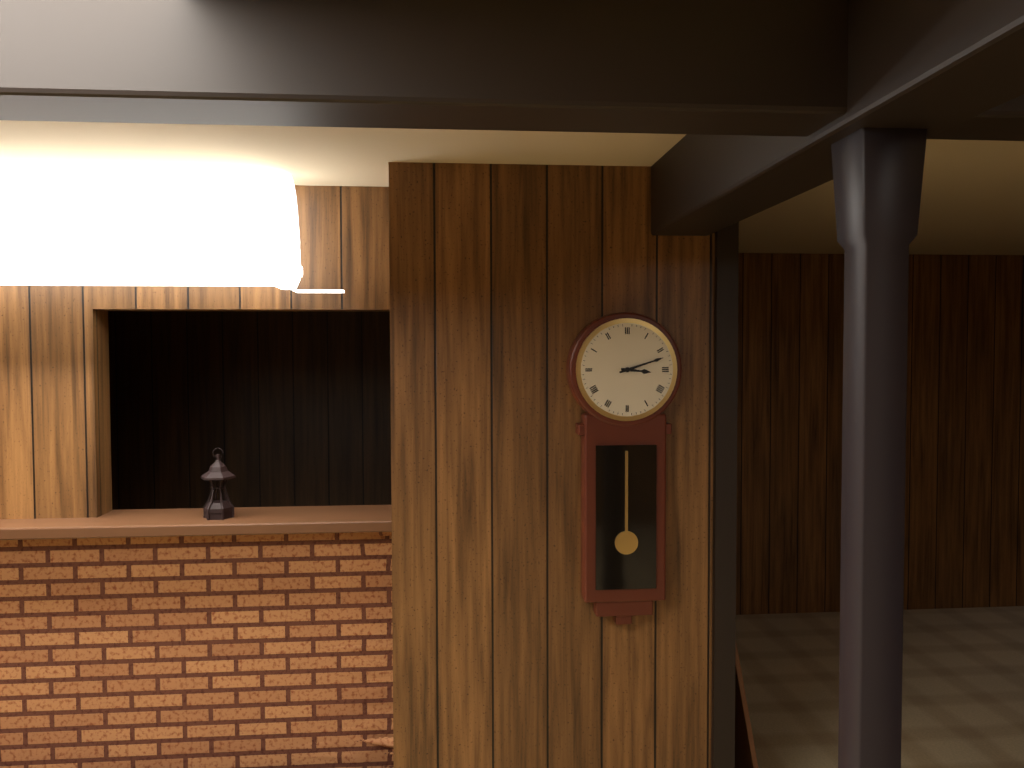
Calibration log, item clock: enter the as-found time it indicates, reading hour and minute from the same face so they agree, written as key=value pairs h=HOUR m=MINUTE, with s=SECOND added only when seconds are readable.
h=3 m=12
